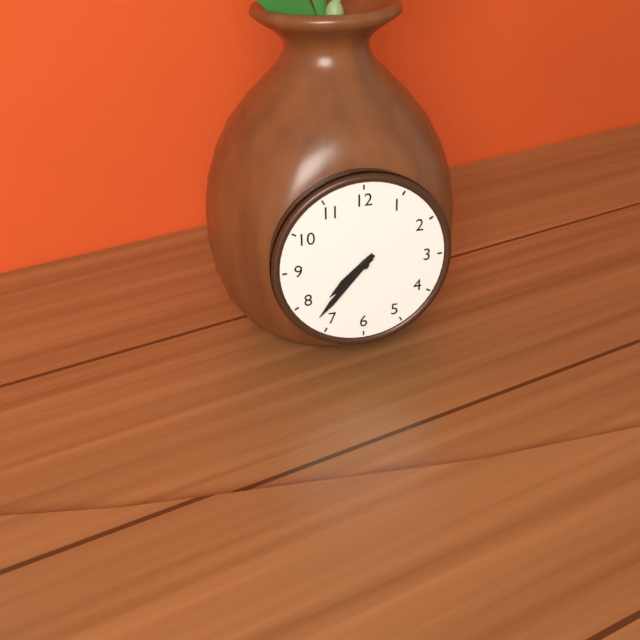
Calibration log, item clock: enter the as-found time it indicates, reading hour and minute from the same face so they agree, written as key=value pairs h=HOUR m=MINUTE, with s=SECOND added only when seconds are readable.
h=7 m=37
